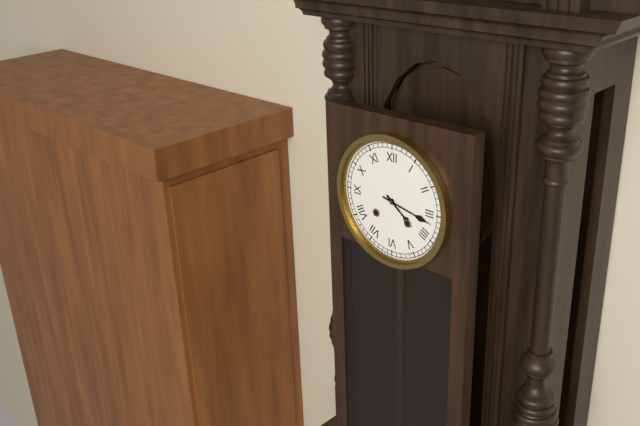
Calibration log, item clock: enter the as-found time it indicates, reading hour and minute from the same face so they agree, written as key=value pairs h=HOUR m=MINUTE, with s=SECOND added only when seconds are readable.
h=4 m=17
